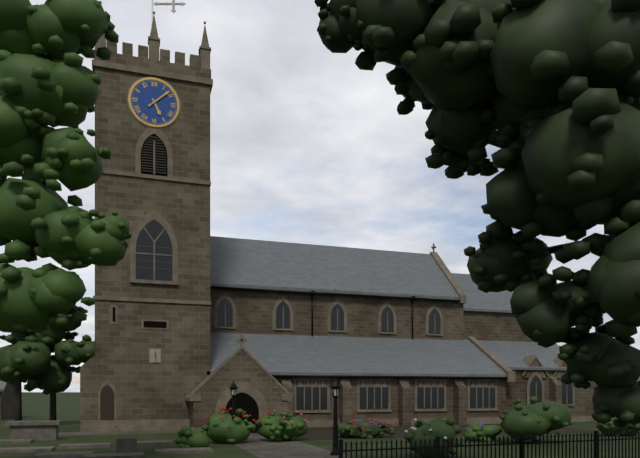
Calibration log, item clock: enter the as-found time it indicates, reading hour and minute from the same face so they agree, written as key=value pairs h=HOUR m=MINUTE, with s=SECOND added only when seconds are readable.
h=5 m=8
